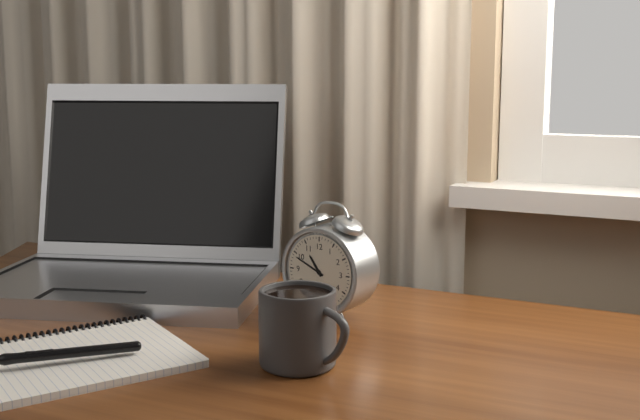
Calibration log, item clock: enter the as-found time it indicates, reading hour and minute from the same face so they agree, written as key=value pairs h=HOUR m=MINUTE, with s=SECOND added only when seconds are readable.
h=10 m=49
